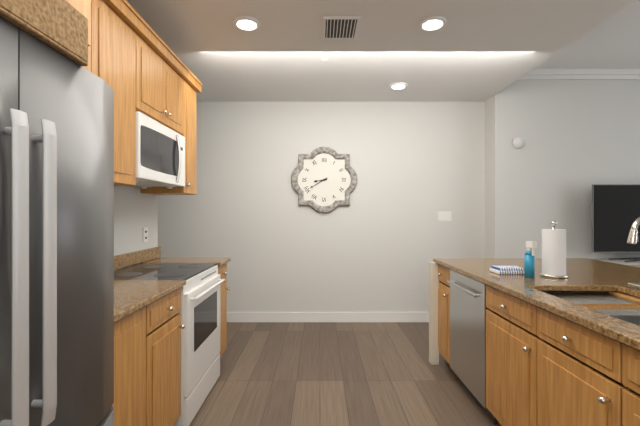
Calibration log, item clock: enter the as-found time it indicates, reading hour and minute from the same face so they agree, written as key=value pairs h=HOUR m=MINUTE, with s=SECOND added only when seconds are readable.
h=8 m=40
